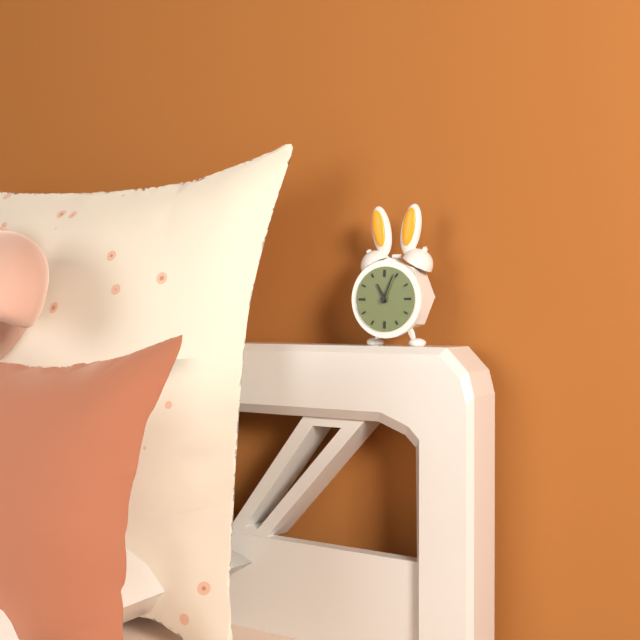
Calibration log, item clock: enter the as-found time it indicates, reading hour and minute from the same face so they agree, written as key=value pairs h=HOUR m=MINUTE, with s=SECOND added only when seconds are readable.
h=11 m=4
